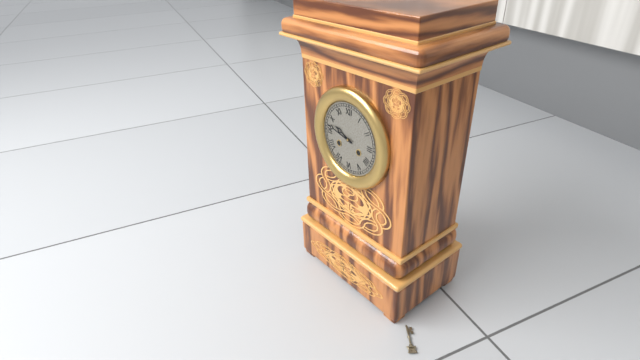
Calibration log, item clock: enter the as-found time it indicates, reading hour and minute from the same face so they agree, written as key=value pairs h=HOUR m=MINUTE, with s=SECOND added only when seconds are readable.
h=9 m=47
